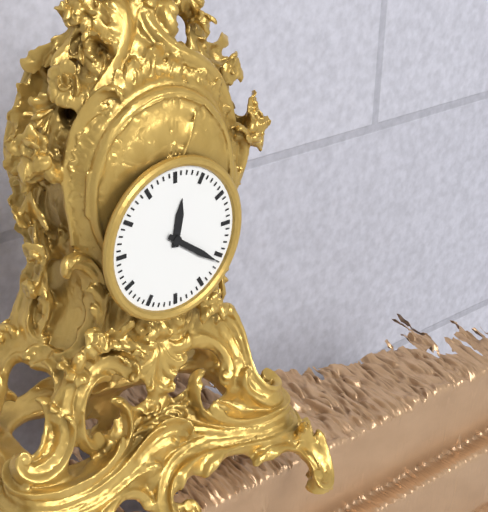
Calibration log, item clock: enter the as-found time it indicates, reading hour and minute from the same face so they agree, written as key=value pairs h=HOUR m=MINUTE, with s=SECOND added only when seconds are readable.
h=12 m=21
